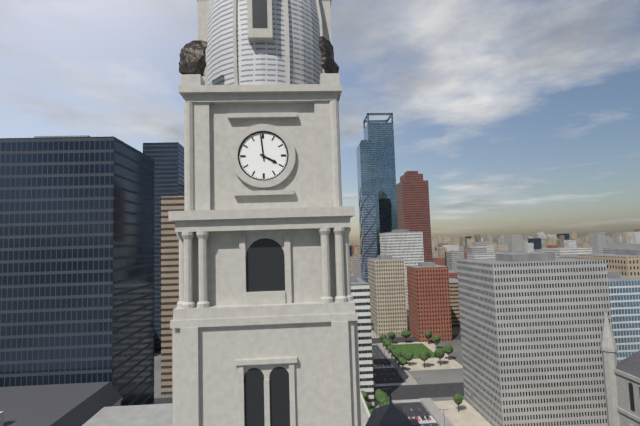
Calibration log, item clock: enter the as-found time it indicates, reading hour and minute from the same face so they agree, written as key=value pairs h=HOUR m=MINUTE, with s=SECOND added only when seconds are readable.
h=3 m=59
